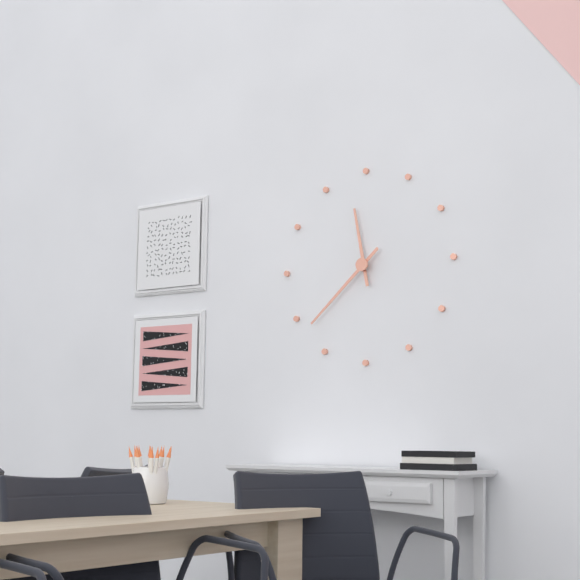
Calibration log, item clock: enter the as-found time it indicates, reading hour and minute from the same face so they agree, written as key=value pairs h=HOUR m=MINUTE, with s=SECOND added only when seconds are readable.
h=11 m=38
